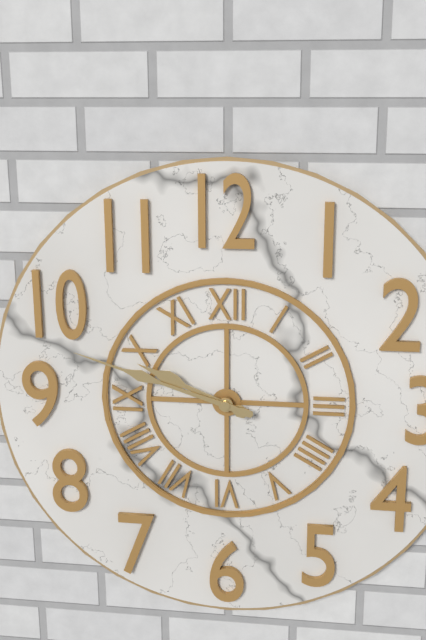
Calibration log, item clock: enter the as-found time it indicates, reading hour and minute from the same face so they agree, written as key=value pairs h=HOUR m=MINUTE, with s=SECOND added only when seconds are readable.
h=9 m=48
